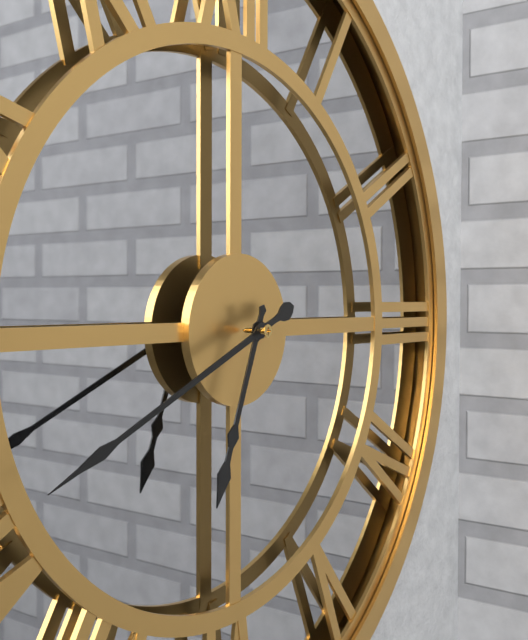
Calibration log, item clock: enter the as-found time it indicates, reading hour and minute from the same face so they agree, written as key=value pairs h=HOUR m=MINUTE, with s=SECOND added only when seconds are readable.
h=6 m=41
